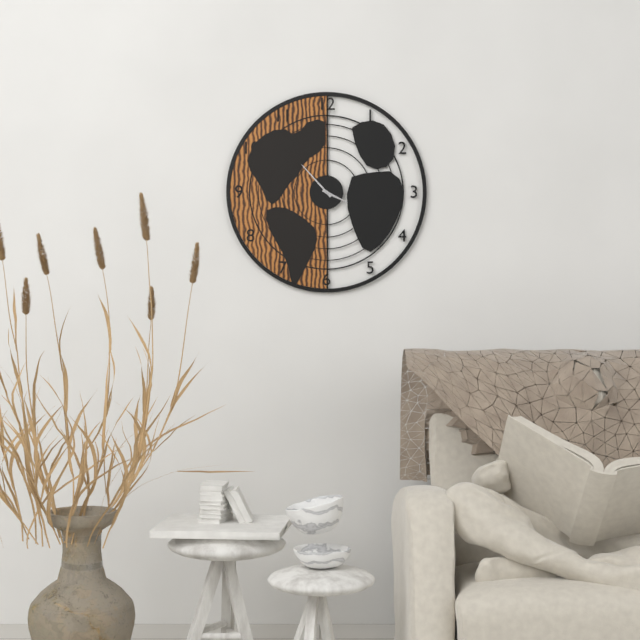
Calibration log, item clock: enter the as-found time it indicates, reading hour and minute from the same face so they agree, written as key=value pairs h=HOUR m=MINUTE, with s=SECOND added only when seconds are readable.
h=3 m=53
